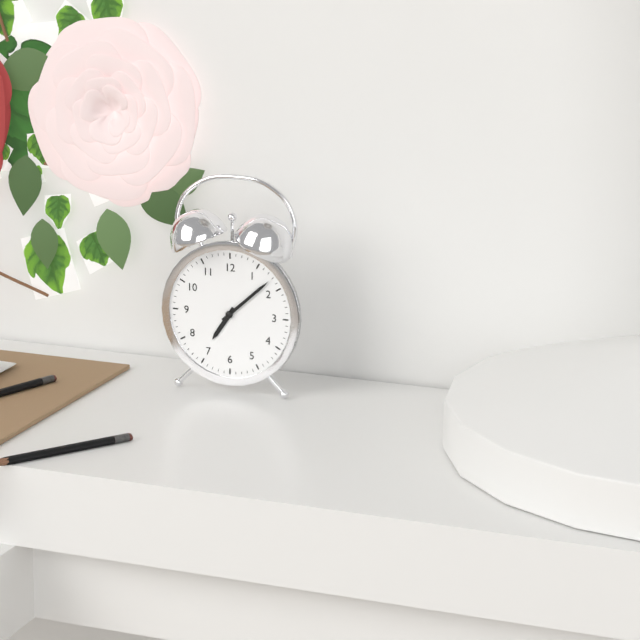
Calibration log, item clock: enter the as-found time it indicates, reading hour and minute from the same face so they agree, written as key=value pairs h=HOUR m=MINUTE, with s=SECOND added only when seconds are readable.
h=7 m=8
